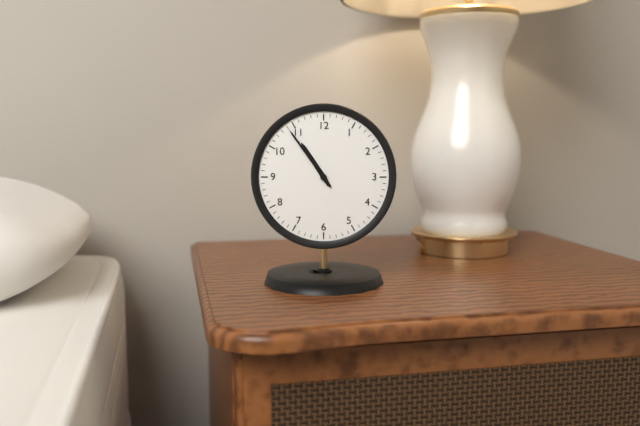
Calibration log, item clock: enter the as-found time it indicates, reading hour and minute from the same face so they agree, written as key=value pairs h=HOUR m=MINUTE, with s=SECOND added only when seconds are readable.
h=10 m=54
